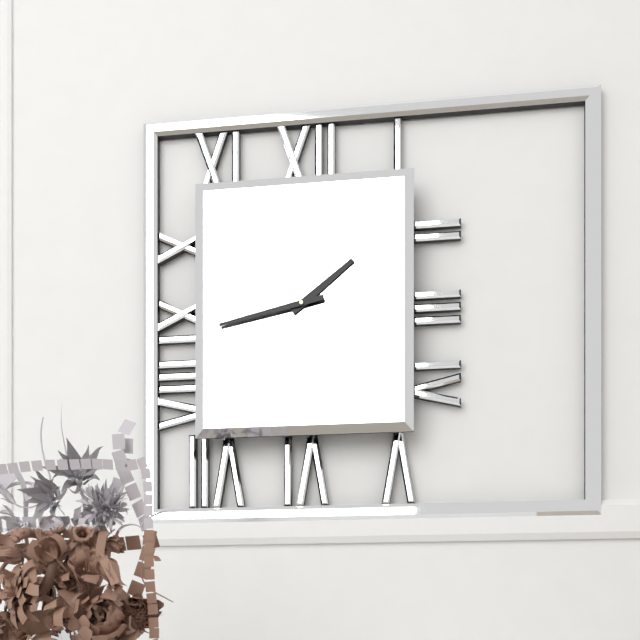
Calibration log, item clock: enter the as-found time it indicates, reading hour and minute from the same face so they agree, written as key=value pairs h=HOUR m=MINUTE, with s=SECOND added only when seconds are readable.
h=1 m=43
